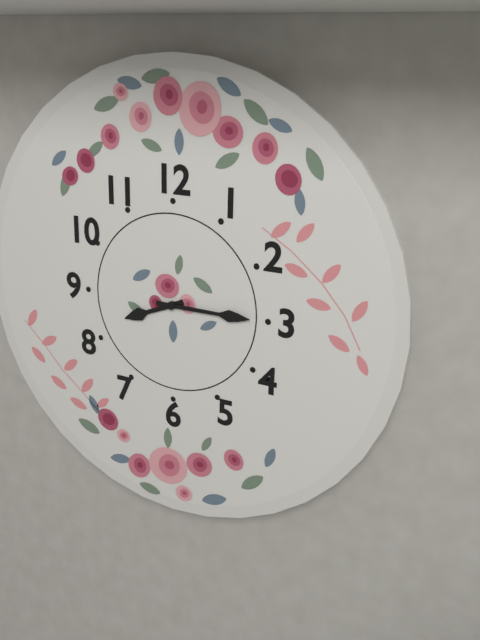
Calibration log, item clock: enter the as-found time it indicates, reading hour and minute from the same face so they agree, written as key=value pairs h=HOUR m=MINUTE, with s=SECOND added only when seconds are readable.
h=8 m=15
